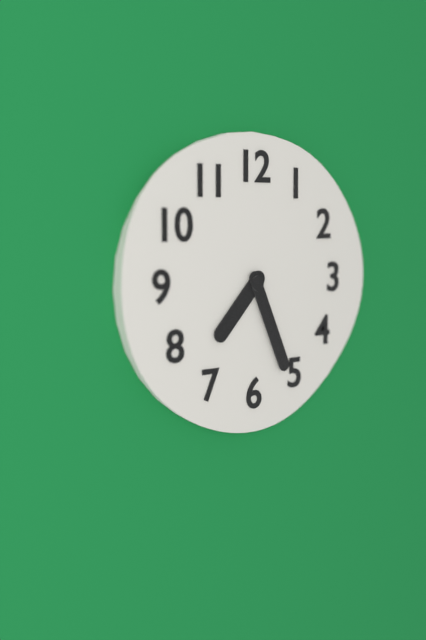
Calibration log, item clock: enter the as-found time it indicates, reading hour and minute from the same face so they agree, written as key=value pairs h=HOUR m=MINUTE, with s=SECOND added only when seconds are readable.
h=7 m=26
